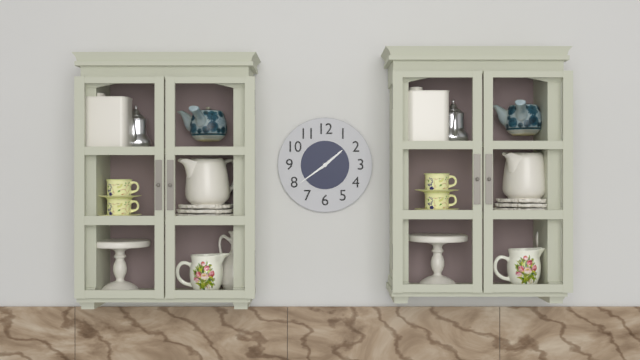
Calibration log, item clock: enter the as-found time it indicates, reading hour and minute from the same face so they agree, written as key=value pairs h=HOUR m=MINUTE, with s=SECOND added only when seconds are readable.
h=1 m=39
